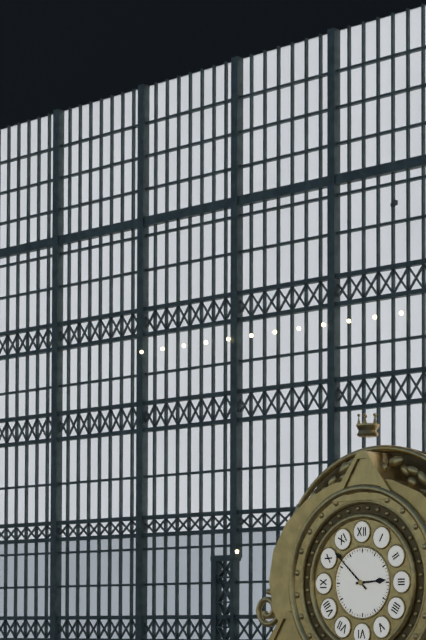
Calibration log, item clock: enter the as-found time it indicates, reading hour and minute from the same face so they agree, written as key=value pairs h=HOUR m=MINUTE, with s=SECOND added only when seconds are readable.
h=2 m=52
